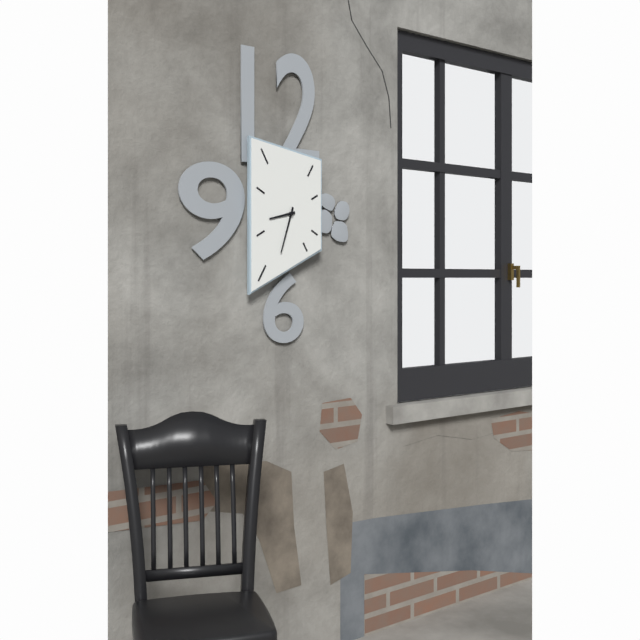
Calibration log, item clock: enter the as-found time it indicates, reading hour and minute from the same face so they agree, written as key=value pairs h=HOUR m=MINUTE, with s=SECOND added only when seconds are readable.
h=8 m=33
